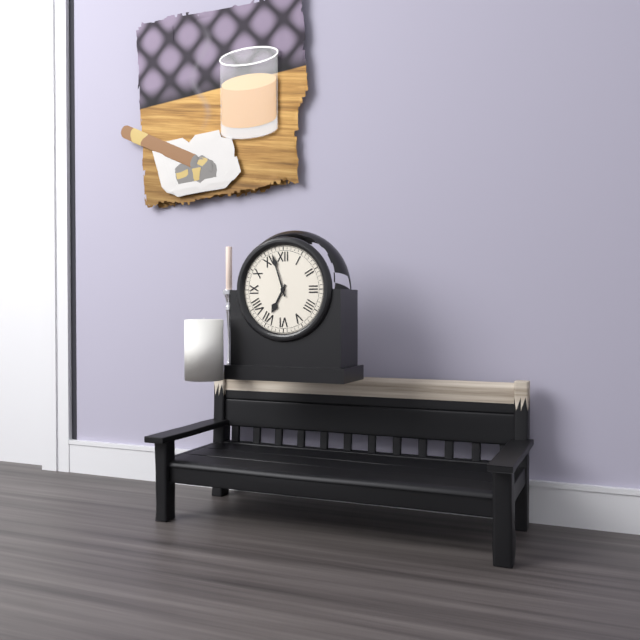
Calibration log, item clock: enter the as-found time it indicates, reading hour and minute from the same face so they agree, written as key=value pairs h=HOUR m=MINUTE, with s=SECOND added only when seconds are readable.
h=6 m=57
